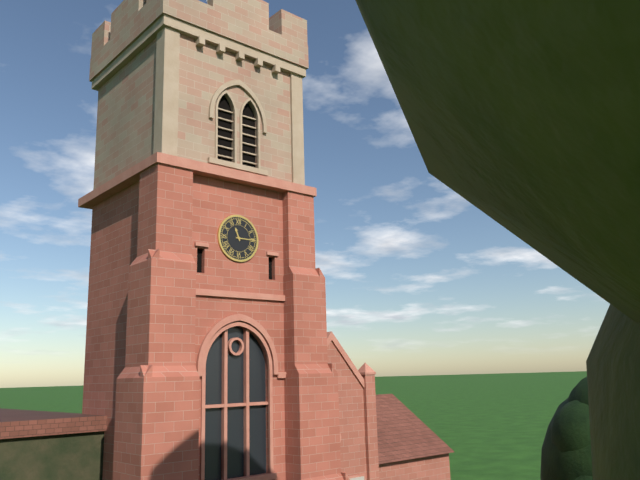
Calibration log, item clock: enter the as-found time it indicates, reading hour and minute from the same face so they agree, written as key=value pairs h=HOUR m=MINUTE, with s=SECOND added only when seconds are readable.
h=11 m=15
